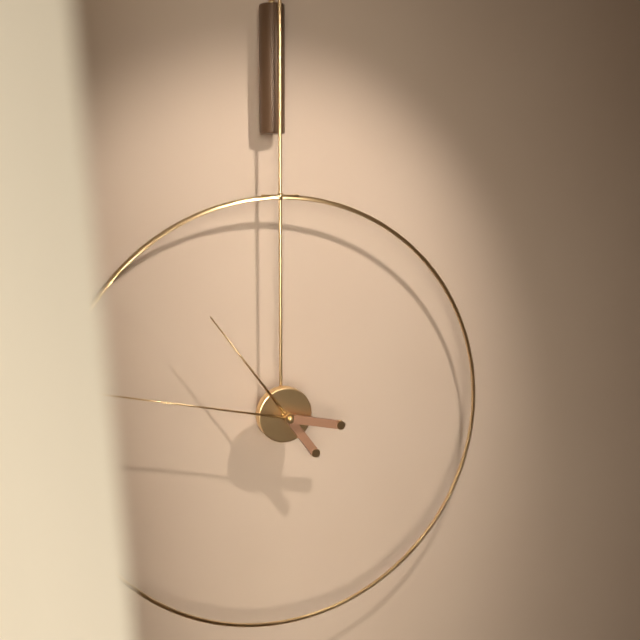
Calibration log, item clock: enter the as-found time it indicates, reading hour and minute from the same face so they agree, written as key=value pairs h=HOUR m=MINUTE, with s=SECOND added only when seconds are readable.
h=10 m=47
